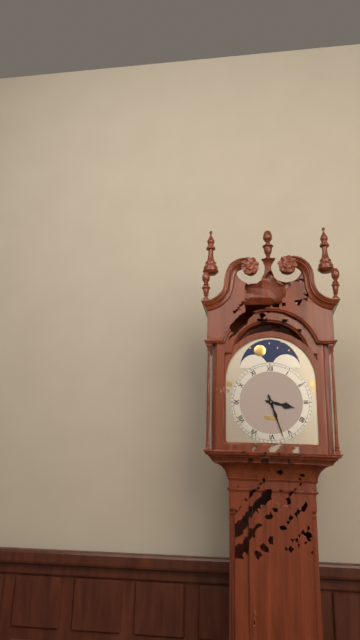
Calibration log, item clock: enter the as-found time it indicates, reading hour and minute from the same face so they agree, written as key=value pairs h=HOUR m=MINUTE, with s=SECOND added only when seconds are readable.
h=3 m=27
